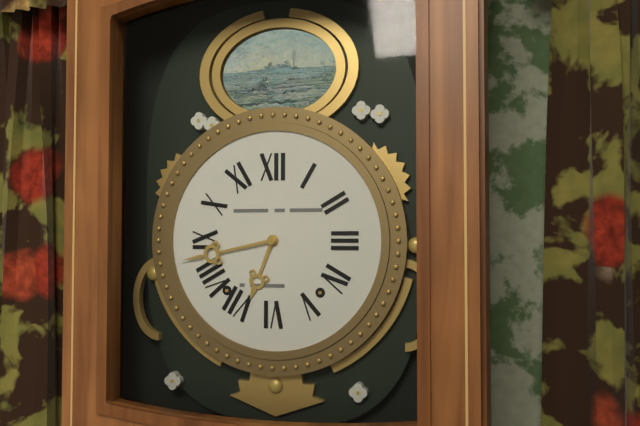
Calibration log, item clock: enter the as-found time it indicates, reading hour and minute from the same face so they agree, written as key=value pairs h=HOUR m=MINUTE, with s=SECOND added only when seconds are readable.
h=6 m=43
